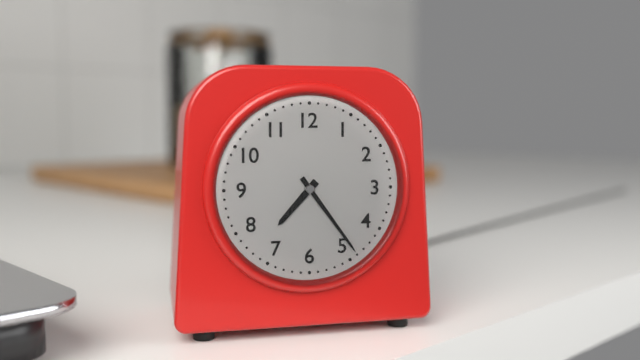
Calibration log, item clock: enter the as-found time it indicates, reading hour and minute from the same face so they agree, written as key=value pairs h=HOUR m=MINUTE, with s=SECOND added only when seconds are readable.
h=7 m=24
